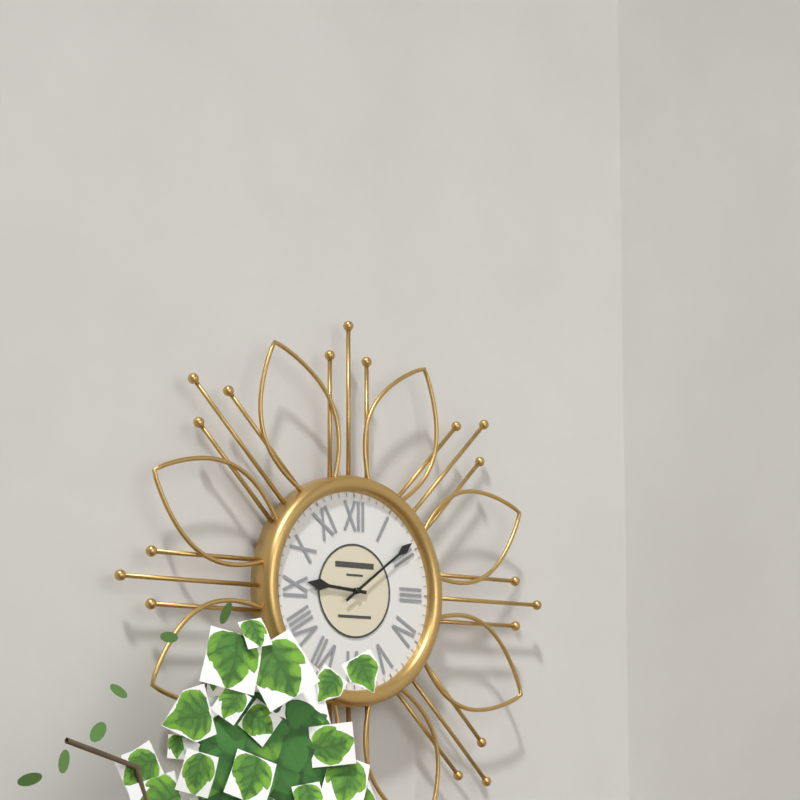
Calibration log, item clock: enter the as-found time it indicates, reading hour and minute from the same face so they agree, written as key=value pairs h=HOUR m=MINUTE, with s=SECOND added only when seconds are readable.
h=9 m=9
